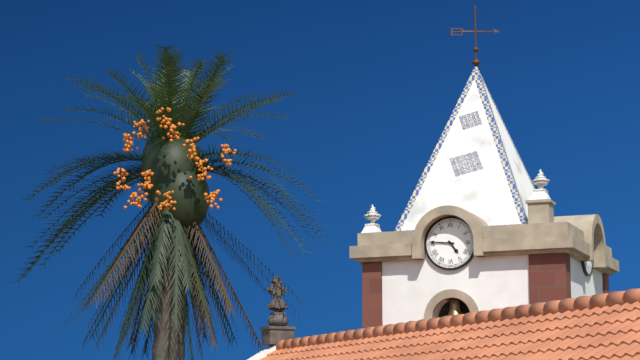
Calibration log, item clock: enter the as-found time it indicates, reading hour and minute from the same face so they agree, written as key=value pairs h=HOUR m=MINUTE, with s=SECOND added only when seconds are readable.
h=4 m=46
